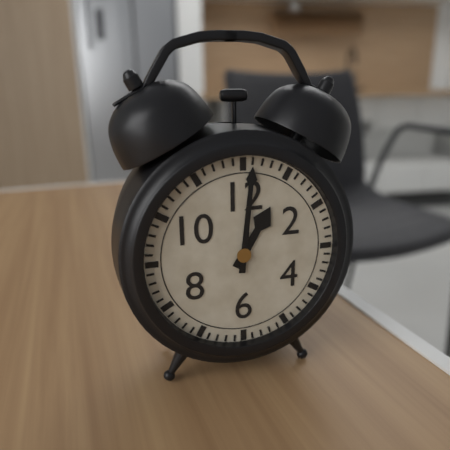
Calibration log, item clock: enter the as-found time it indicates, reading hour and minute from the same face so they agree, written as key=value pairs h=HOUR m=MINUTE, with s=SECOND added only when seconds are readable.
h=1 m=1
